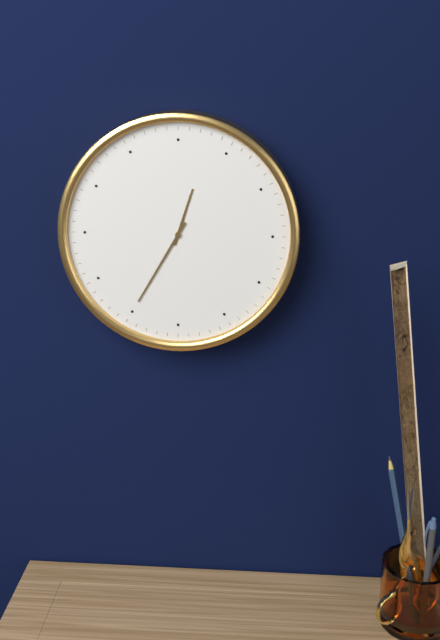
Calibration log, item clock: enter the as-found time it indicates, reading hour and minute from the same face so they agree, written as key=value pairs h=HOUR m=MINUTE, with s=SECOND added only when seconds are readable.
h=12 m=35
